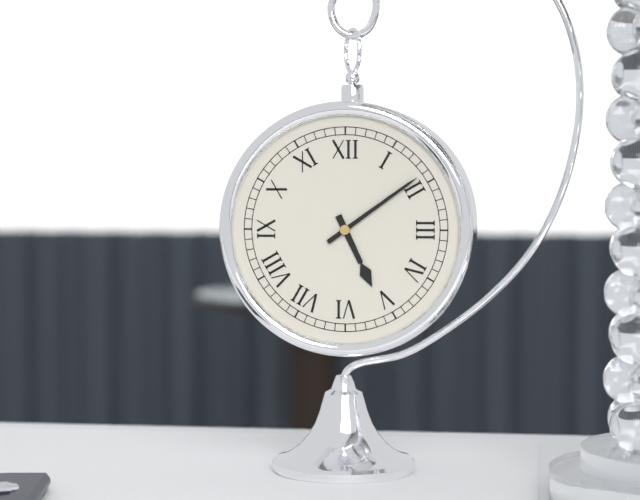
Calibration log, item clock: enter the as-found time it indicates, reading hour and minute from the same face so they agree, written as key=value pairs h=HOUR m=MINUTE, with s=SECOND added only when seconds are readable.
h=5 m=9
